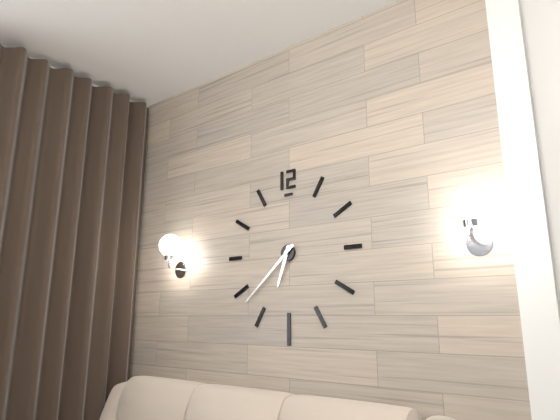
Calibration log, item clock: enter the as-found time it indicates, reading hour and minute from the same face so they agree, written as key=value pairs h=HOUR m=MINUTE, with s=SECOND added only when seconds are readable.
h=6 m=38
